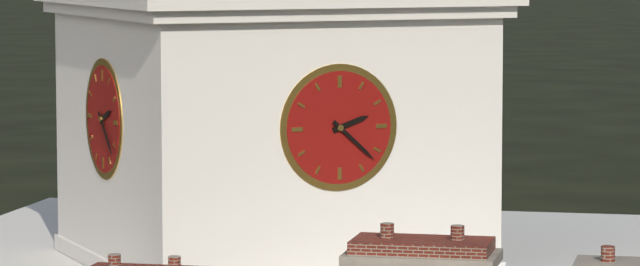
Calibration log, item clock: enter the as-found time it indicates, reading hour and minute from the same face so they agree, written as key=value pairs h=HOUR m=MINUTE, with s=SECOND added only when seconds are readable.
h=2 m=22
